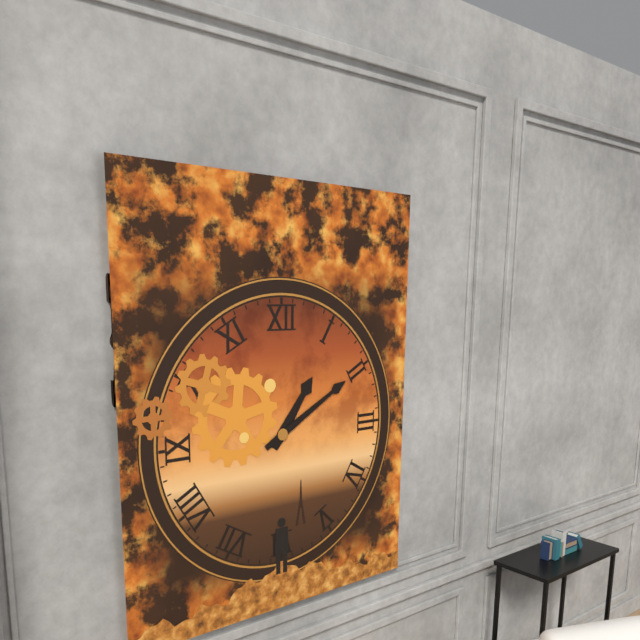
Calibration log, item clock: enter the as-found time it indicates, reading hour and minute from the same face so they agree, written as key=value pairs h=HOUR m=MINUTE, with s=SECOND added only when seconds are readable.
h=1 m=10
